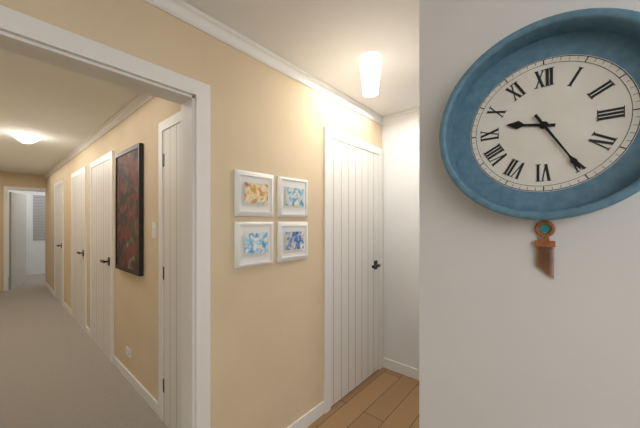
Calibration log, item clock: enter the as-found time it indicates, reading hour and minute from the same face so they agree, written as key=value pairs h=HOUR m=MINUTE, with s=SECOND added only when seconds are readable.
h=9 m=25
